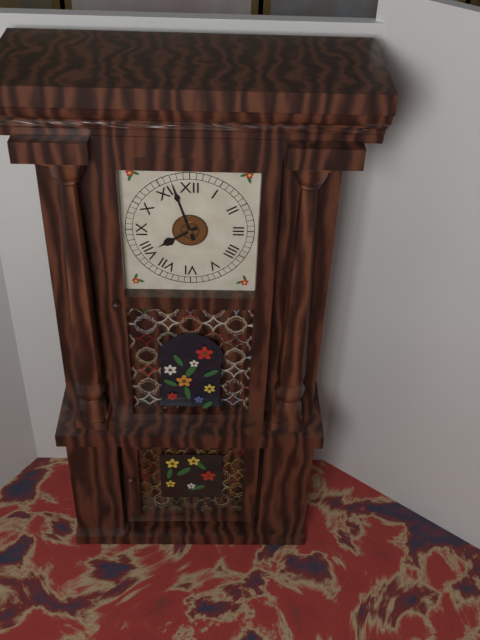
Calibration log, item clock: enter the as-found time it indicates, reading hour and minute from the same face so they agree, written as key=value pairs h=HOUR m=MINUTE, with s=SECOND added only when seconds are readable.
h=7 m=57
